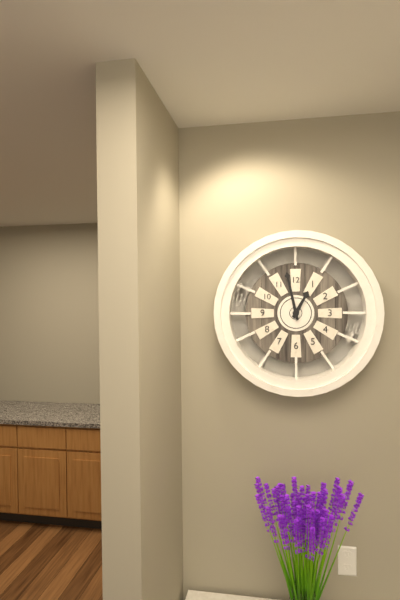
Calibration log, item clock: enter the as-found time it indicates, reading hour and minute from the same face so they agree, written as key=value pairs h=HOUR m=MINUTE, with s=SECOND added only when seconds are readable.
h=12 m=58
